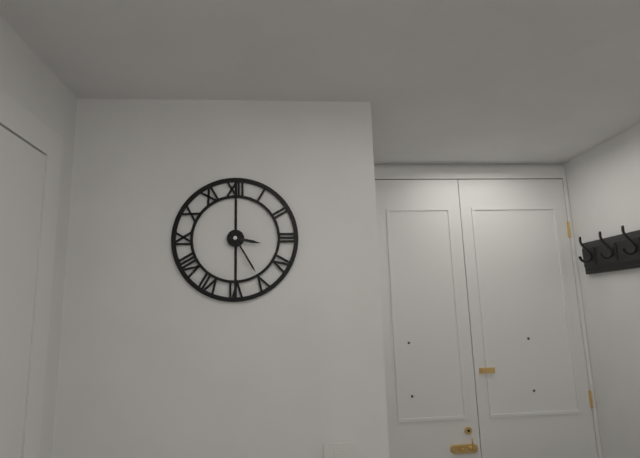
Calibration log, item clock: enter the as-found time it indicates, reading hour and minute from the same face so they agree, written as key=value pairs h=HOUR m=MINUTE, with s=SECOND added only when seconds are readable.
h=3 m=25
